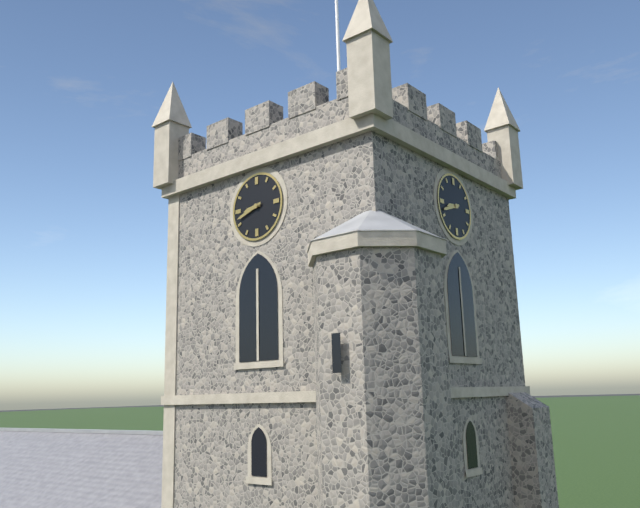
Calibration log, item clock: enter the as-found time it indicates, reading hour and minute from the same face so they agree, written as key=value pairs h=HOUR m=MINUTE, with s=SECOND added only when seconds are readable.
h=8 m=42
